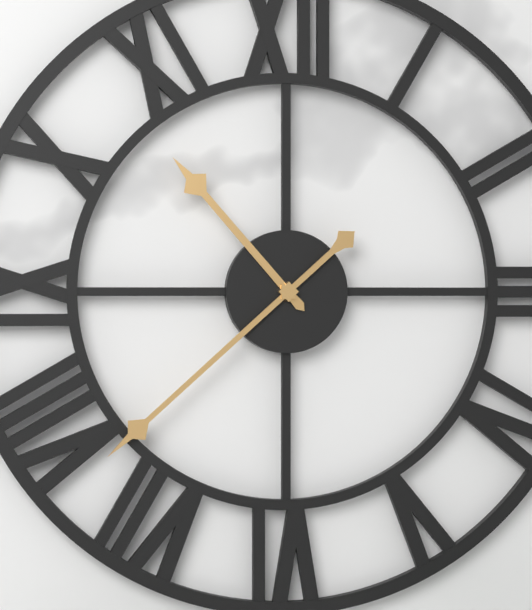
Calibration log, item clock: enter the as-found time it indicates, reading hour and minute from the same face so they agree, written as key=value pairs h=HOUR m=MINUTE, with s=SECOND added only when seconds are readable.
h=10 m=38
